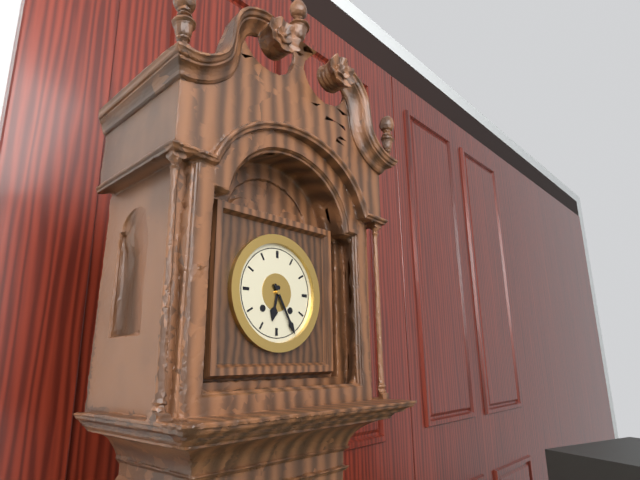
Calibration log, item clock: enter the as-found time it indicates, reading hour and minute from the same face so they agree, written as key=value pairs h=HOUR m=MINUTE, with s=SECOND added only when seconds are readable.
h=6 m=25
